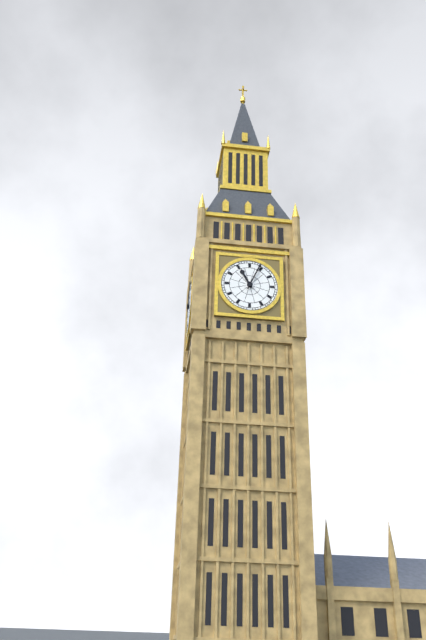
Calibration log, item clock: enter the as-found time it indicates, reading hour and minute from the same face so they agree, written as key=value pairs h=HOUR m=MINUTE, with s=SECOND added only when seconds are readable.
h=11 m=4
